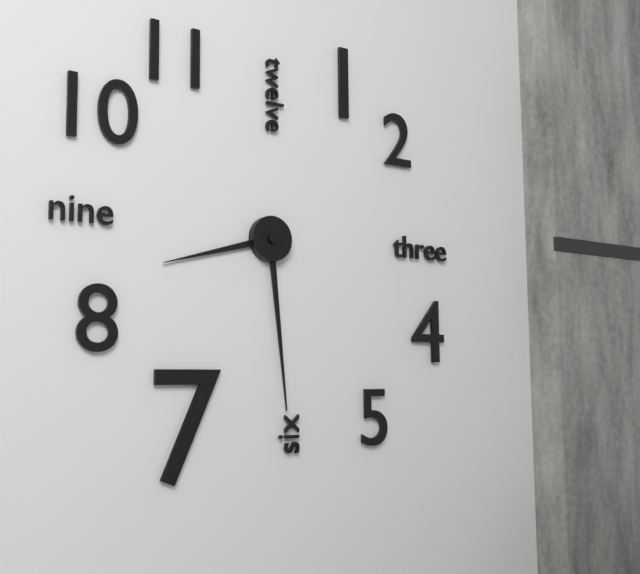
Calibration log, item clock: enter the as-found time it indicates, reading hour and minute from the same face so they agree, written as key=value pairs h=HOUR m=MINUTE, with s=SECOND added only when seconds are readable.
h=8 m=29
